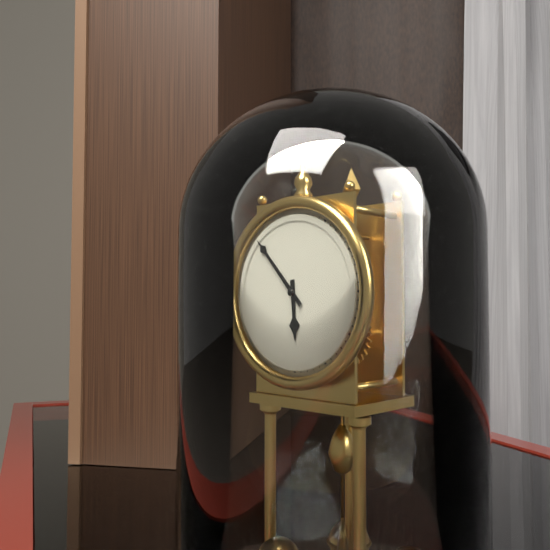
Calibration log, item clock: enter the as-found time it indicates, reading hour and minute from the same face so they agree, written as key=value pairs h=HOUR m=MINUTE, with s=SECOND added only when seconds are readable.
h=5 m=53
